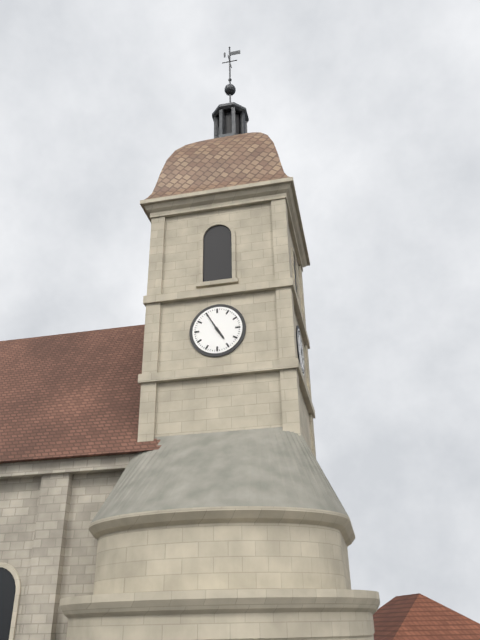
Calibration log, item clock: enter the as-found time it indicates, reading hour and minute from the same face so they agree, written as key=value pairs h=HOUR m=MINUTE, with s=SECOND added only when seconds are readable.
h=4 m=55
